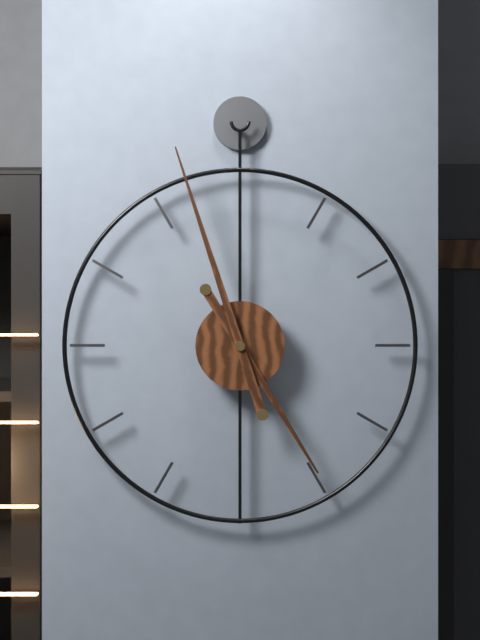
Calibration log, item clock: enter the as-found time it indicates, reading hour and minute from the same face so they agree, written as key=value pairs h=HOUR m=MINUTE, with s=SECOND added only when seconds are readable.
h=4 m=57
